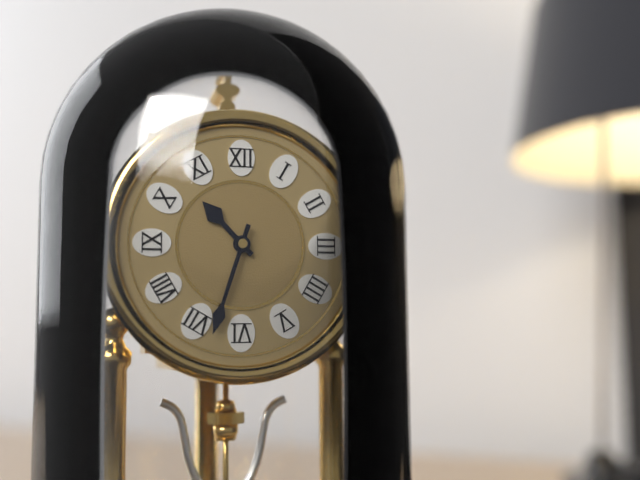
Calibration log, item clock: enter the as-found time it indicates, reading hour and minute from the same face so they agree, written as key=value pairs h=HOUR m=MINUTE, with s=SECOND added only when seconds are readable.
h=10 m=33
